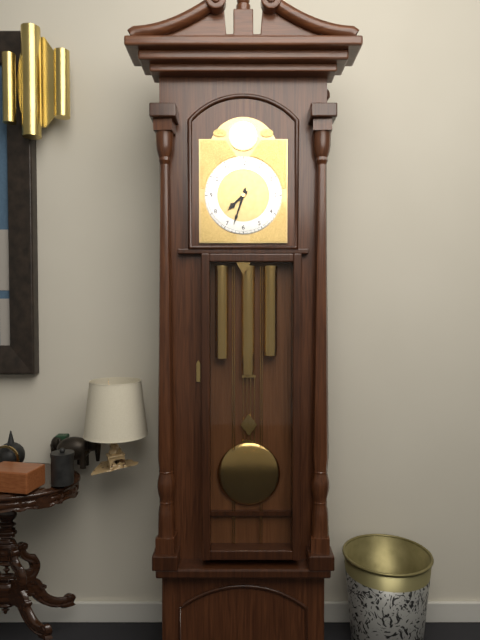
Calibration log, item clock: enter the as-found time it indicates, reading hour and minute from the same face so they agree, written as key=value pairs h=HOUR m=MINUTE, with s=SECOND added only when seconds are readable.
h=7 m=33
